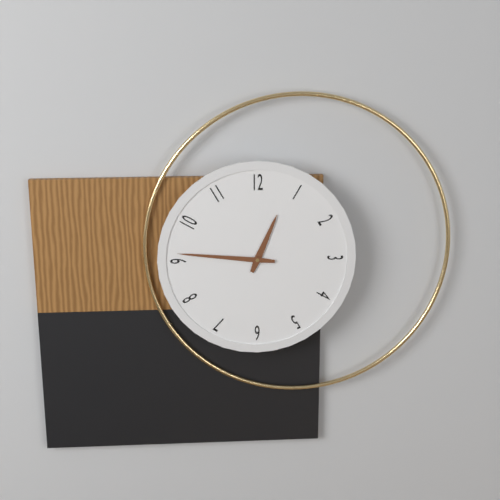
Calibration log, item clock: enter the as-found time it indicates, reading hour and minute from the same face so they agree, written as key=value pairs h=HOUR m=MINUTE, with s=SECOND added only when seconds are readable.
h=12 m=46
